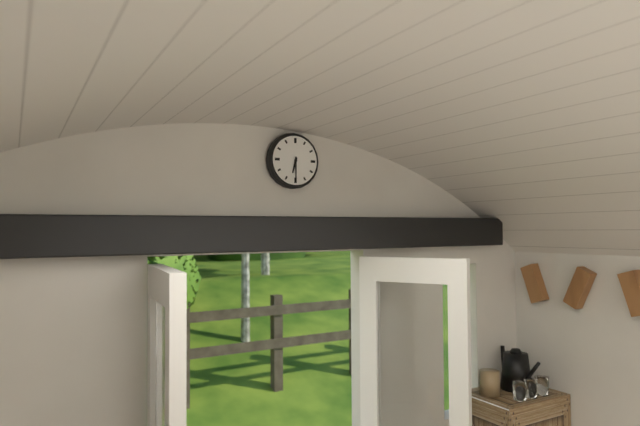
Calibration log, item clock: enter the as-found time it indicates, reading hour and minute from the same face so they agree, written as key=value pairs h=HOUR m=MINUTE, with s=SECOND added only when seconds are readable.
h=6 m=30
